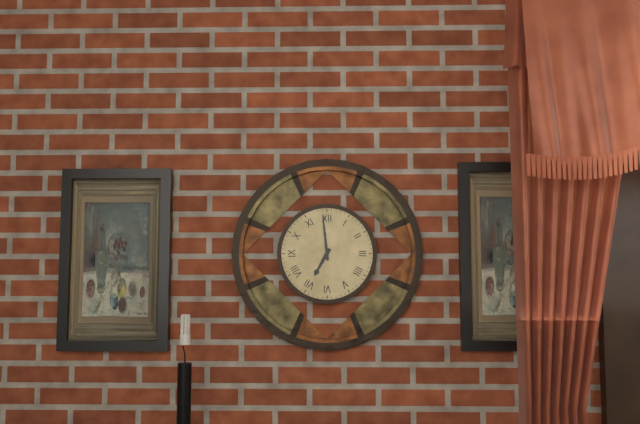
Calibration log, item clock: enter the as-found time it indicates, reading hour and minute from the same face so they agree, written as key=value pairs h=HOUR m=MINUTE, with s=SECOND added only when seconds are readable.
h=6 m=59
